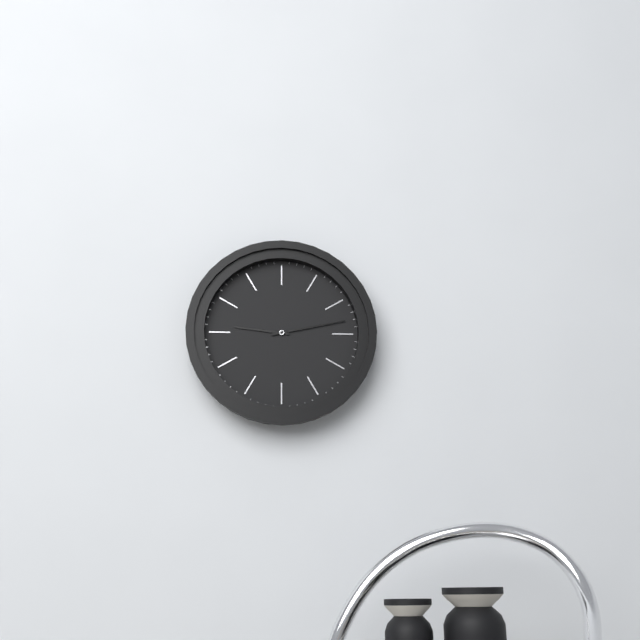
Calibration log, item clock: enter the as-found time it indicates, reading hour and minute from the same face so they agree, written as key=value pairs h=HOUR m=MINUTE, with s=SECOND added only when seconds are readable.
h=9 m=13
